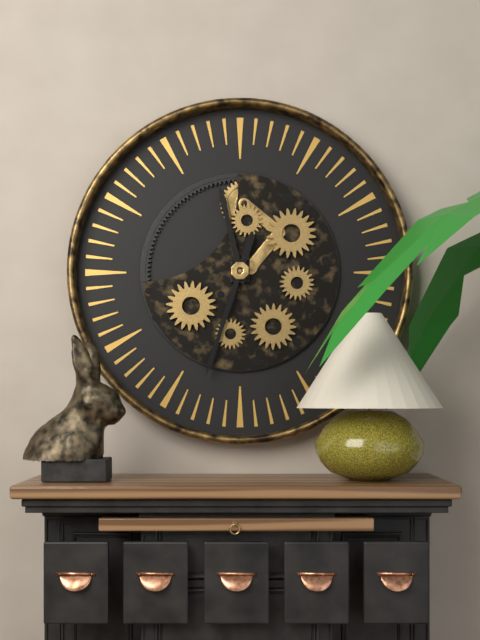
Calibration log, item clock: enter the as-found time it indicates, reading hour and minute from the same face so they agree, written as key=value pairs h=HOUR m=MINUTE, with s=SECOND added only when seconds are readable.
h=11 m=33
